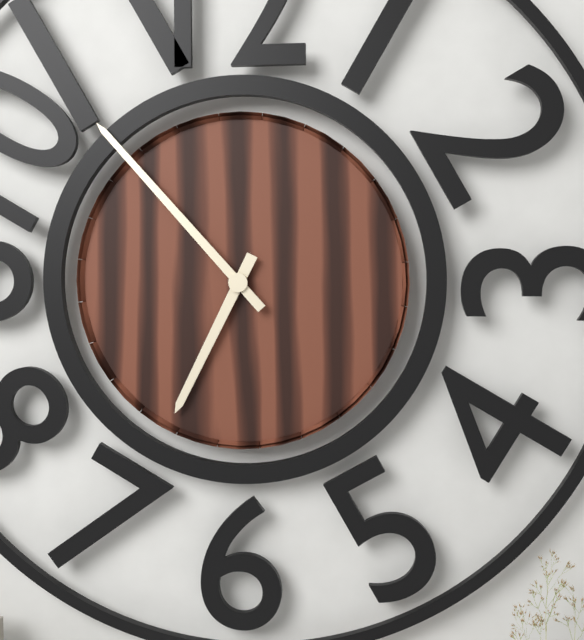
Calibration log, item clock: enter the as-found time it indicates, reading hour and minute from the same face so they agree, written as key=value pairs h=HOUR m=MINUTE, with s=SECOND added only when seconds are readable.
h=6 m=53
